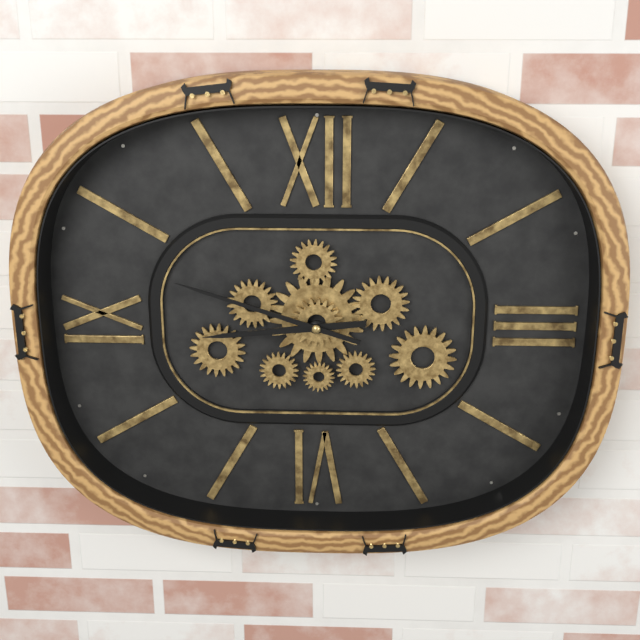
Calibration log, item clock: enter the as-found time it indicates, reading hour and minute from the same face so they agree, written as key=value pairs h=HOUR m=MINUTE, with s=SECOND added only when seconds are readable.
h=8 m=48
